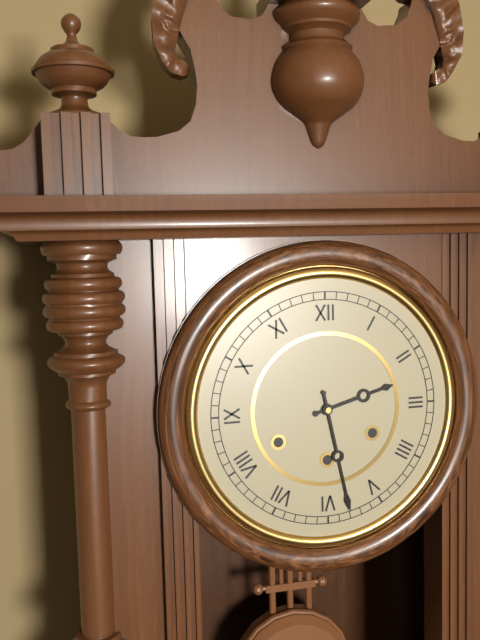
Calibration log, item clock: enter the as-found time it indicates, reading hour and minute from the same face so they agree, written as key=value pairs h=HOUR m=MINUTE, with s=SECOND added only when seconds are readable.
h=2 m=28
